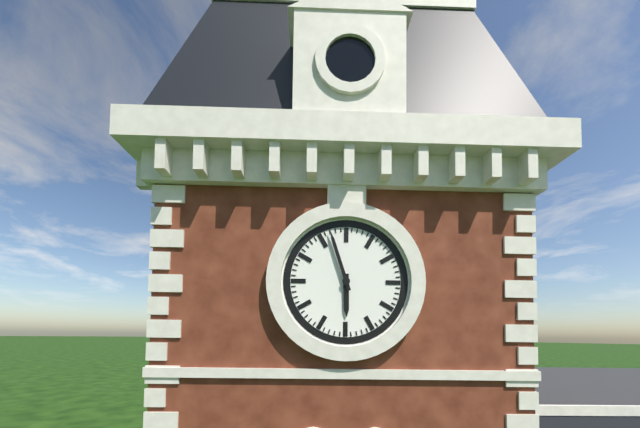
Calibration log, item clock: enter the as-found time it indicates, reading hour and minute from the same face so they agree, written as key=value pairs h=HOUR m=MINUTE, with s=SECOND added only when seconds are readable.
h=5 m=57
